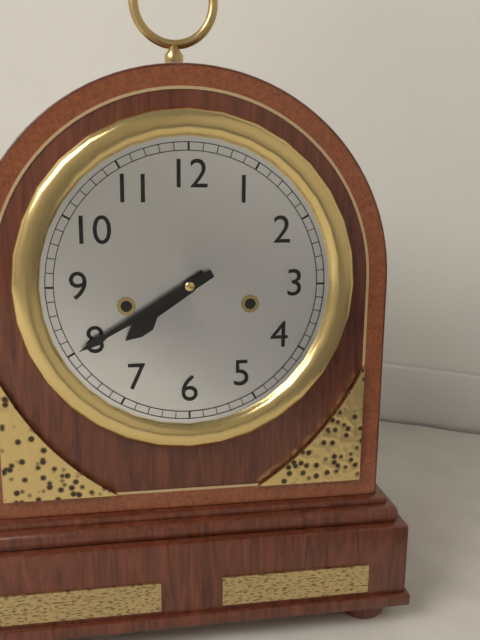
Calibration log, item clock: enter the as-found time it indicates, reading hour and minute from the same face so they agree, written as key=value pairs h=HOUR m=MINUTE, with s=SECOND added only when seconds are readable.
h=7 m=40
